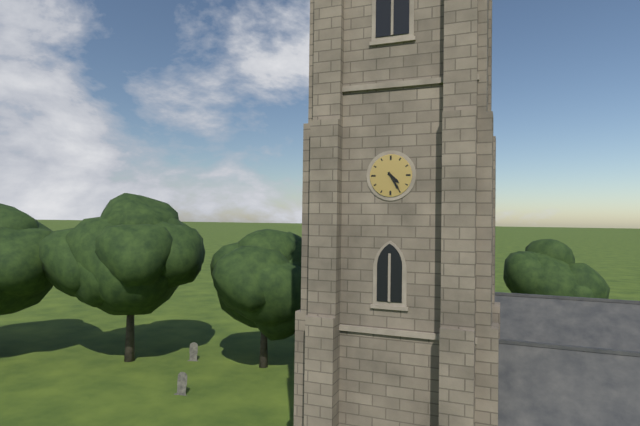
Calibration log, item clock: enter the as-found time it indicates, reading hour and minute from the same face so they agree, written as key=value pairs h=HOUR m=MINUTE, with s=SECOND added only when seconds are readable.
h=4 m=25
